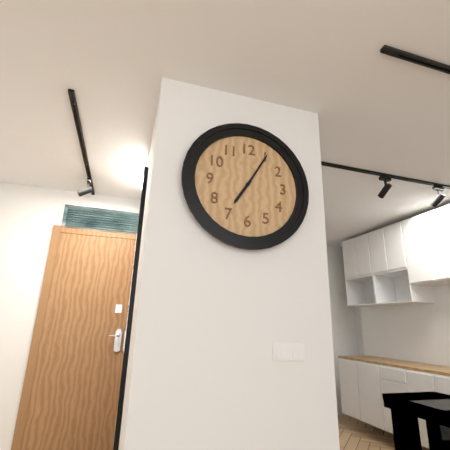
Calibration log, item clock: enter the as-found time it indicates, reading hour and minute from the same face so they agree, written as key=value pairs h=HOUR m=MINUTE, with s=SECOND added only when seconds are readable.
h=7 m=5
